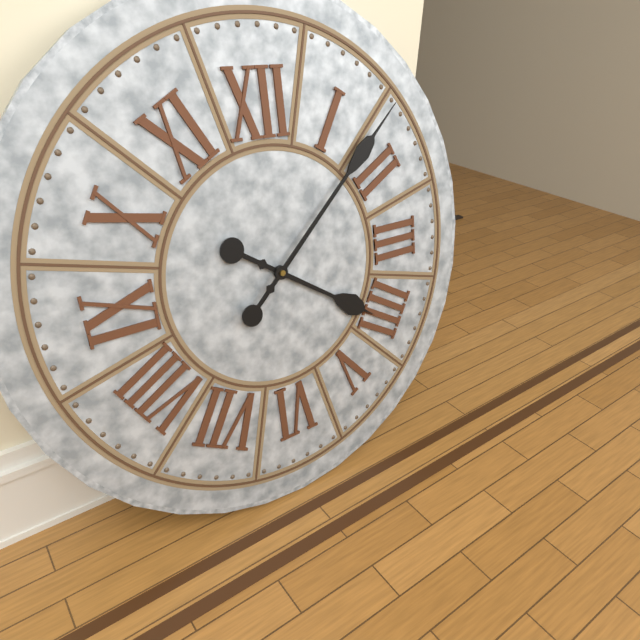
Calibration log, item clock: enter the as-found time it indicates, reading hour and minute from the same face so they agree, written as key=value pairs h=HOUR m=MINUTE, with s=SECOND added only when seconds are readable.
h=4 m=8
